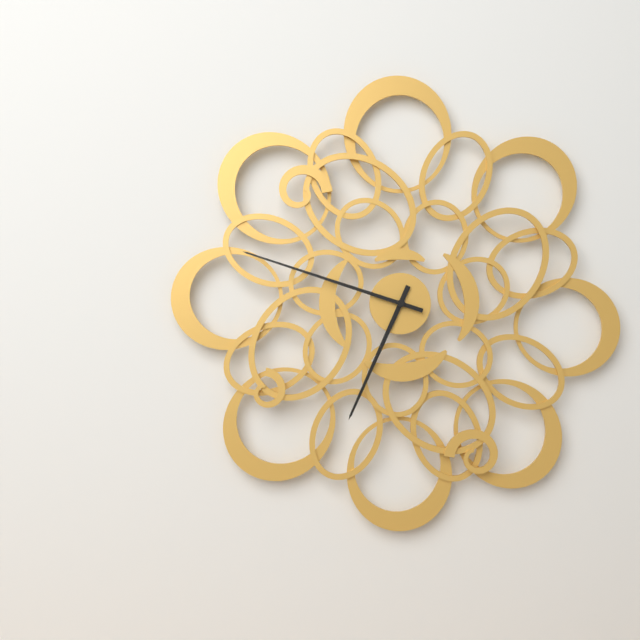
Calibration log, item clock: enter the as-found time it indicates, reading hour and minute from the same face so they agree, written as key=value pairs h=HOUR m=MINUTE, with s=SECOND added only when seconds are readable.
h=6 m=48
